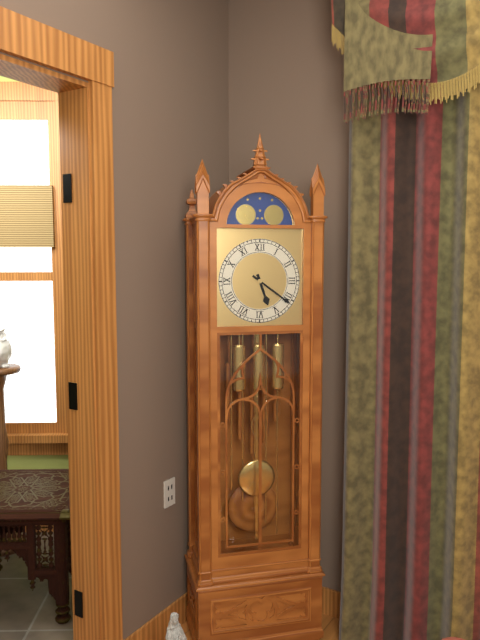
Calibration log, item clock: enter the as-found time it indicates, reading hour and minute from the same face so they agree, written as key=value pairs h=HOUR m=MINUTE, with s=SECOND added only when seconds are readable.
h=5 m=21
